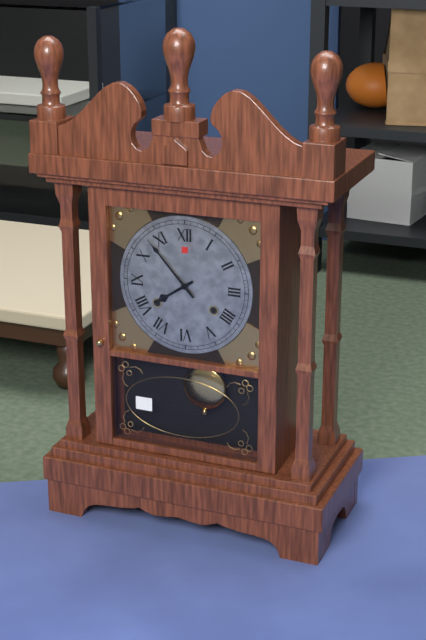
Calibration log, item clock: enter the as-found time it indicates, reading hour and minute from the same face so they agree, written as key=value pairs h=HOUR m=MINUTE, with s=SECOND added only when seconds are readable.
h=7 m=53
